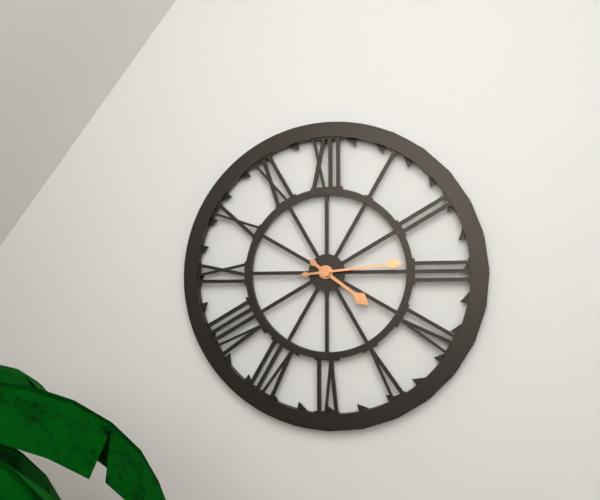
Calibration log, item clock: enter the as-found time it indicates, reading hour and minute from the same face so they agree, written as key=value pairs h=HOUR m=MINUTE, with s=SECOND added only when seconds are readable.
h=4 m=14
